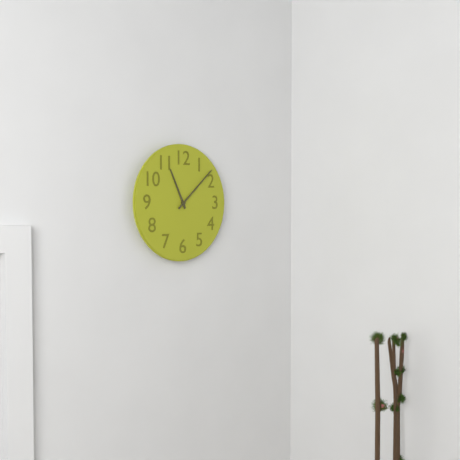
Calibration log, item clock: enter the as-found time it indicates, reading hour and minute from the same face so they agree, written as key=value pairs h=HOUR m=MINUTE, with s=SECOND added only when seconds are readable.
h=11 m=8
